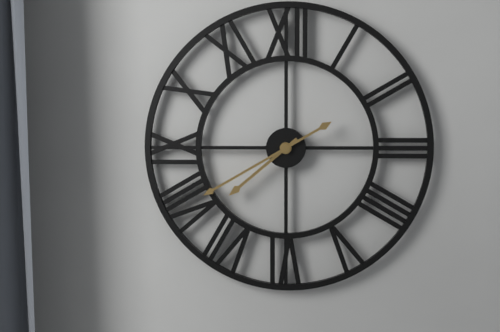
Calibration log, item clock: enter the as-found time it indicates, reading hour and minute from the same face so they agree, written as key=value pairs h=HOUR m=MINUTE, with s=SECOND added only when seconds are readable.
h=7 m=40
